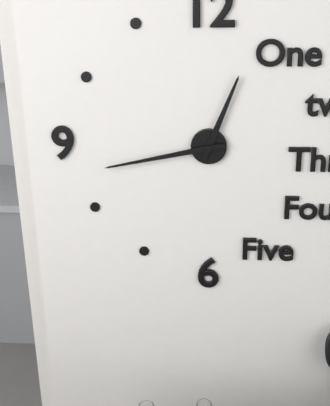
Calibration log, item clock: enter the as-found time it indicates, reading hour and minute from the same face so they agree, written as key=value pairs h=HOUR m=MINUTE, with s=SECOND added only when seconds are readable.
h=12 m=43
